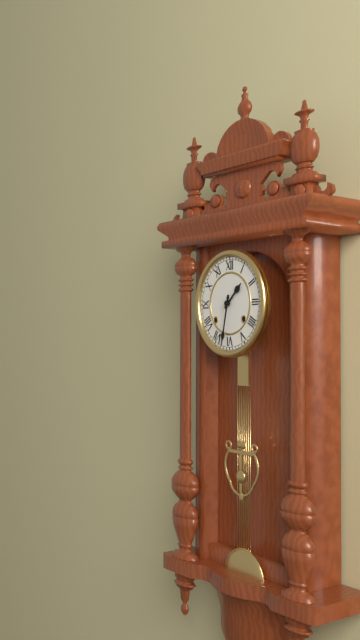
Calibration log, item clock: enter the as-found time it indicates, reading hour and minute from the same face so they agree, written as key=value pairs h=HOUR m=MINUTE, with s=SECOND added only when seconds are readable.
h=1 m=32
